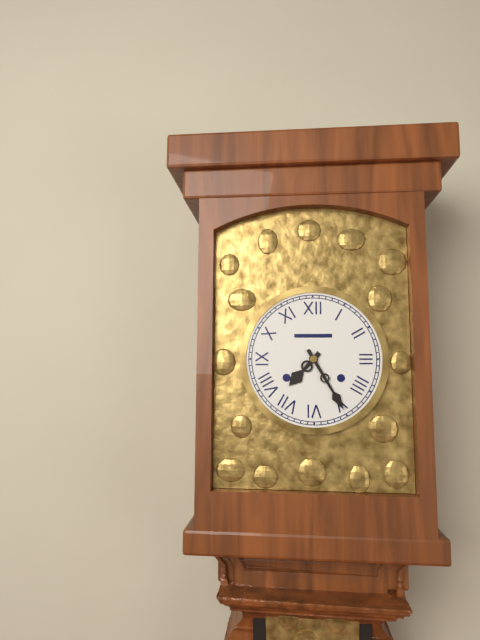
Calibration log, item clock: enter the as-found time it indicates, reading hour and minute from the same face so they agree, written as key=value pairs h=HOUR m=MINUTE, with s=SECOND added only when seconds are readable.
h=7 m=25
